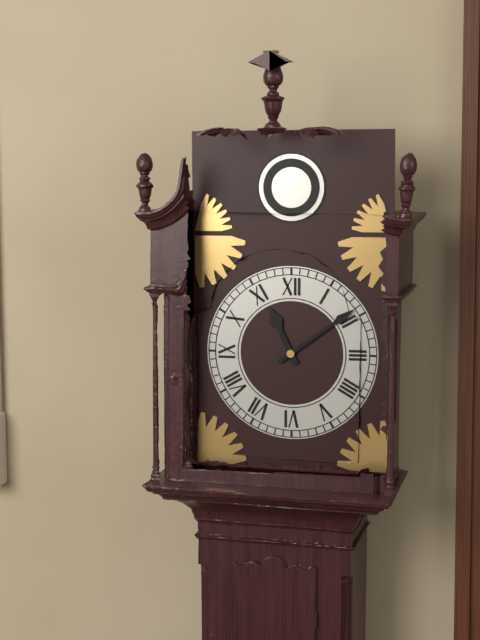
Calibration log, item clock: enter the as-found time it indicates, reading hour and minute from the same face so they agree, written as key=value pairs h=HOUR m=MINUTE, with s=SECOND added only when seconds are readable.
h=11 m=9
